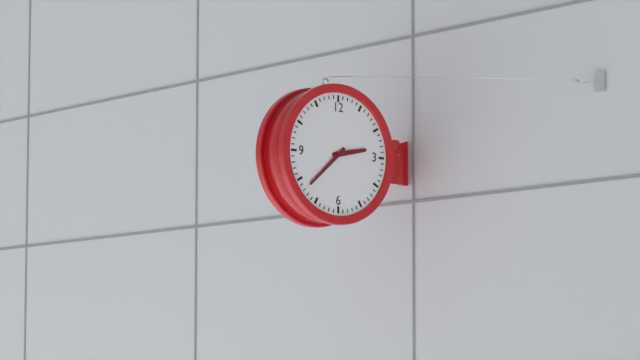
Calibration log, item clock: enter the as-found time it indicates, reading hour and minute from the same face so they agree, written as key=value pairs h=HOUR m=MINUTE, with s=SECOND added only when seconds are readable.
h=2 m=38
